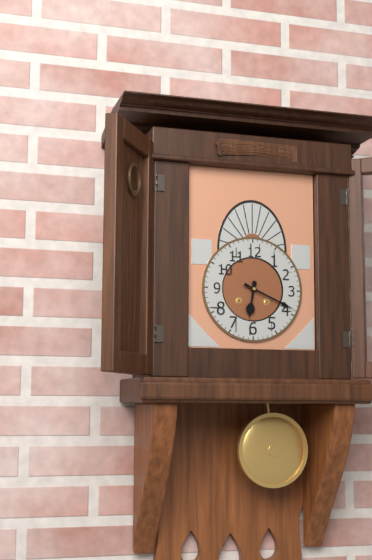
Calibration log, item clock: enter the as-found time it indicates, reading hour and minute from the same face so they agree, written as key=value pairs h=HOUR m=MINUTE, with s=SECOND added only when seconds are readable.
h=6 m=19
